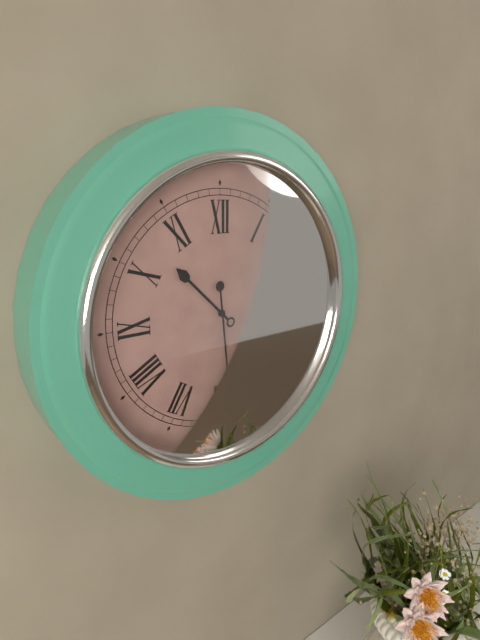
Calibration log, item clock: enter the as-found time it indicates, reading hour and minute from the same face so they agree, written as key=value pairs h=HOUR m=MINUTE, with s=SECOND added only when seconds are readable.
h=10 m=29
